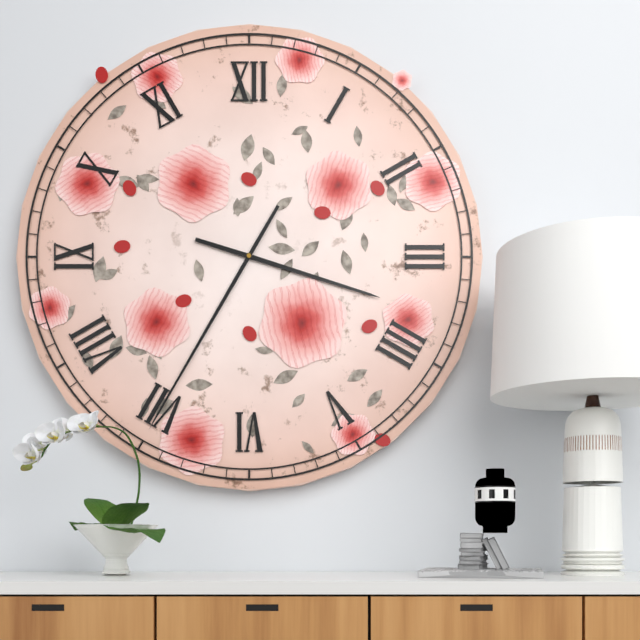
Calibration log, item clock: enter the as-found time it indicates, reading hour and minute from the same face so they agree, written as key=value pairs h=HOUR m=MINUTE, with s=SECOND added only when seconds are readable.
h=3 m=35
